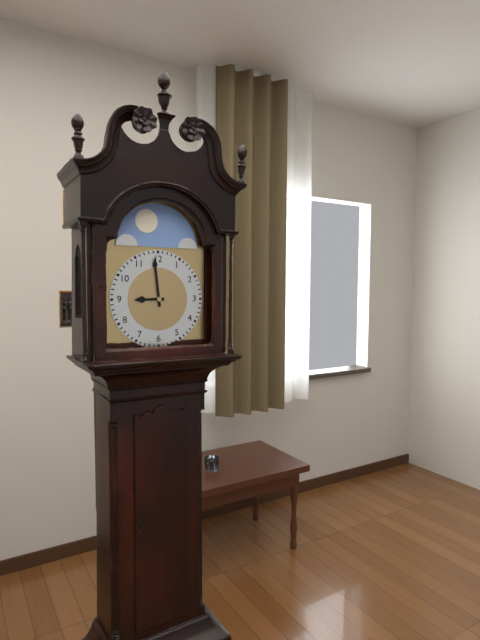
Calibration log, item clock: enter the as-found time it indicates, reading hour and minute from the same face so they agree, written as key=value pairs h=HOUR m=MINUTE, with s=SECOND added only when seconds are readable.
h=8 m=59
